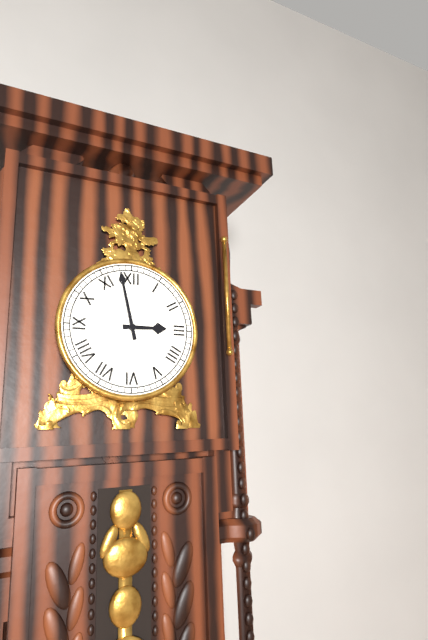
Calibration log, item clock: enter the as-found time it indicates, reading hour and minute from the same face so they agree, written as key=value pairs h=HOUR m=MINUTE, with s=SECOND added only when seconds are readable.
h=2 m=58
